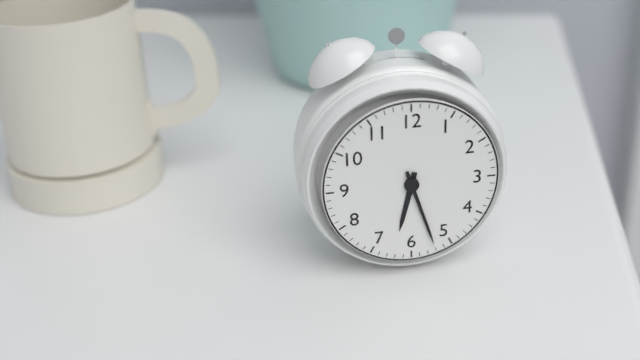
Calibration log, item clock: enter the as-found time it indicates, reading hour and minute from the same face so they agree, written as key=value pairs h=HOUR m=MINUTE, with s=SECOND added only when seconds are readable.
h=6 m=27
